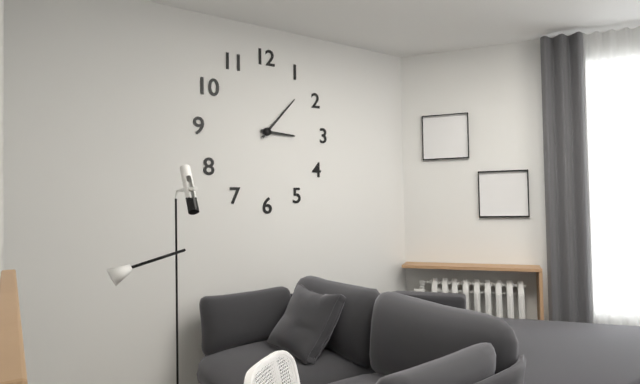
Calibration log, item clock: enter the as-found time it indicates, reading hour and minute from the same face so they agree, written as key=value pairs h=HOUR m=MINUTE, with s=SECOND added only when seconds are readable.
h=3 m=7
